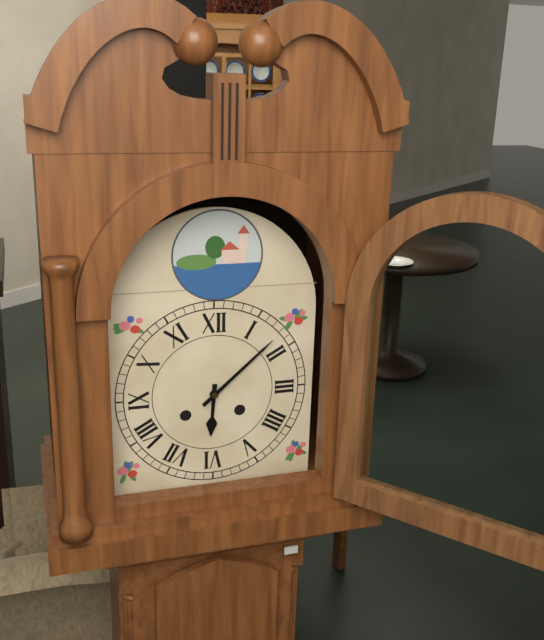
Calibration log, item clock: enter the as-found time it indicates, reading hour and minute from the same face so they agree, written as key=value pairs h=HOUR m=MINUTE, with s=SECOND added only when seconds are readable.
h=6 m=8
